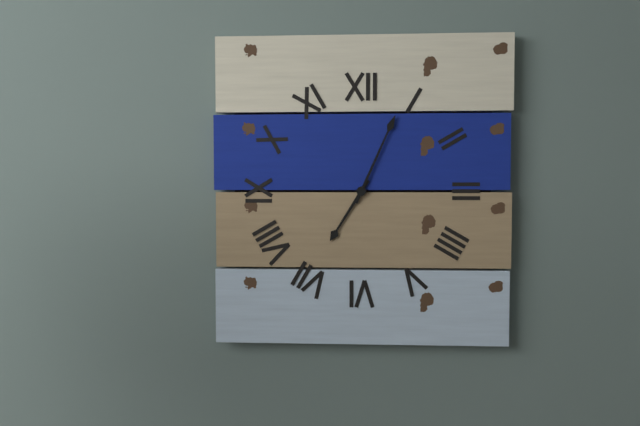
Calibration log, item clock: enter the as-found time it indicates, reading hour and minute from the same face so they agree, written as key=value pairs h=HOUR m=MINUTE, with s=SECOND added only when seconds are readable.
h=7 m=4
